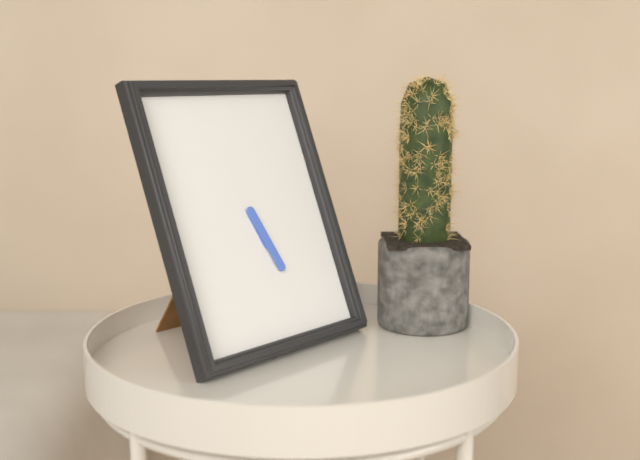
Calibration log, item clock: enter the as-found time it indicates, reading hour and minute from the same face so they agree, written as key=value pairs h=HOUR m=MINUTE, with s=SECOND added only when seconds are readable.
h=5 m=27
